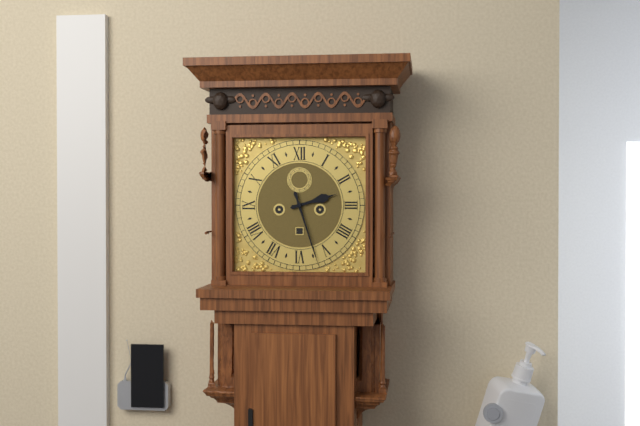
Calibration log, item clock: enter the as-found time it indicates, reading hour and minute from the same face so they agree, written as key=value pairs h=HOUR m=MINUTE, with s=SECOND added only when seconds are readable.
h=2 m=27
